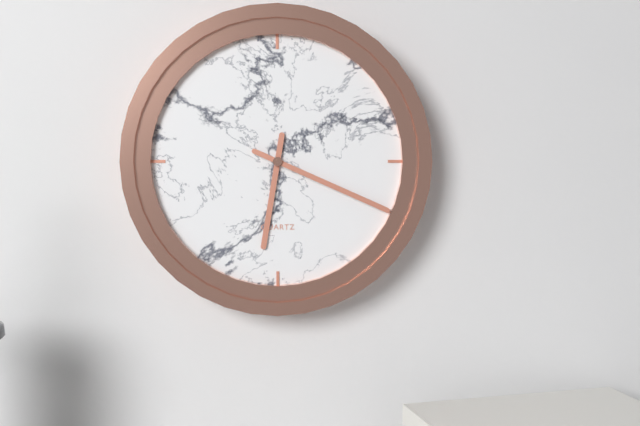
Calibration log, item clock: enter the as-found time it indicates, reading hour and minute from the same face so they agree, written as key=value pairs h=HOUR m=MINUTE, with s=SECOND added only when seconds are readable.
h=6 m=19
